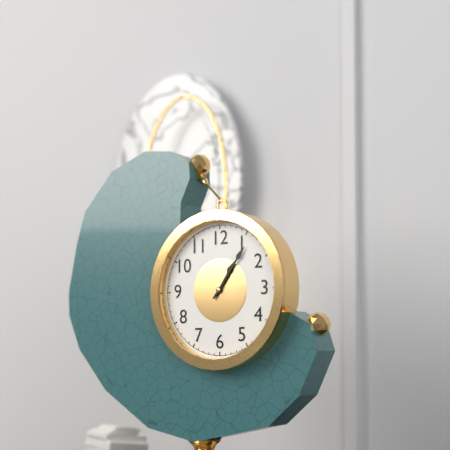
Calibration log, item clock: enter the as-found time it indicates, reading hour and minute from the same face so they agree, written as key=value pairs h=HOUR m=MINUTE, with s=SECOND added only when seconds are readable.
h=1 m=6
